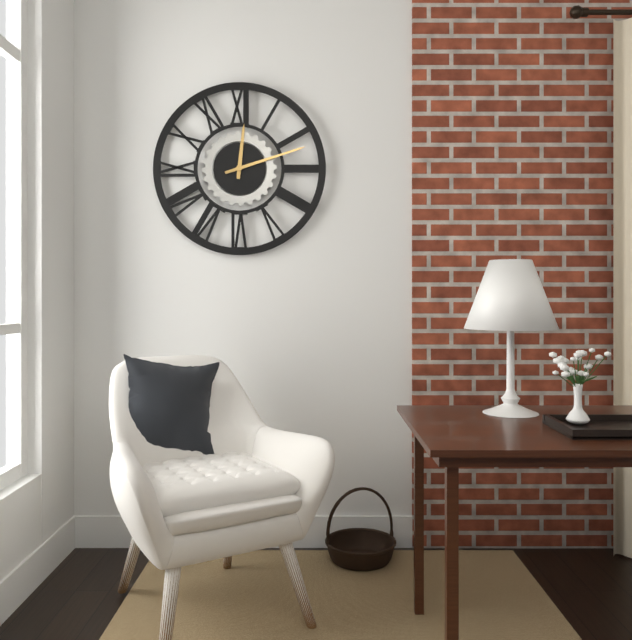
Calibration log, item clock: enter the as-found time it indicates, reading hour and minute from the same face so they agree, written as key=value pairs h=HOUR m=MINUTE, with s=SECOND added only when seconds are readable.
h=12 m=12
